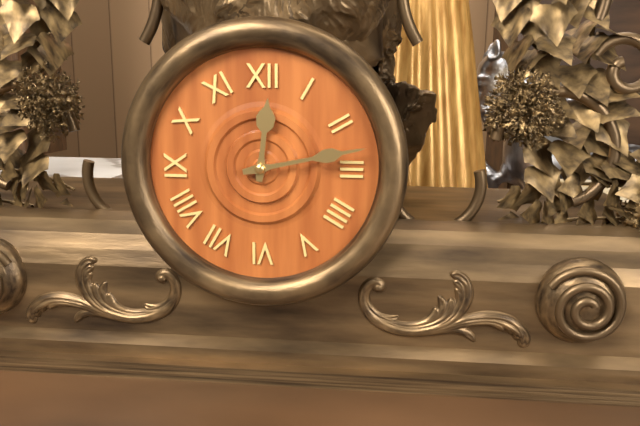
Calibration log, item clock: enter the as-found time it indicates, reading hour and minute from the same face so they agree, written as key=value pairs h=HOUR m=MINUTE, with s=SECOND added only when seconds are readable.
h=12 m=13
